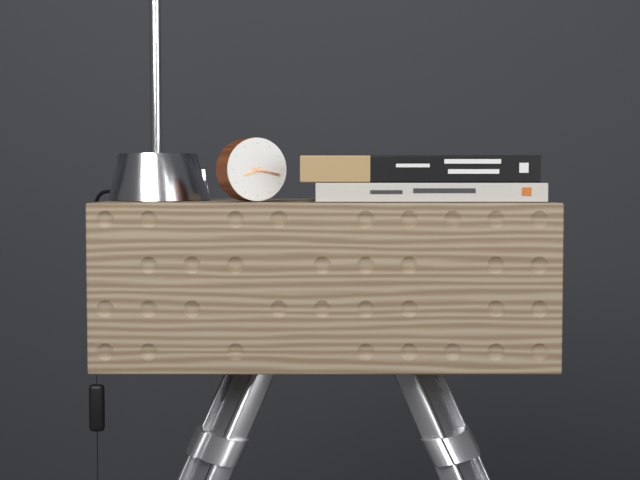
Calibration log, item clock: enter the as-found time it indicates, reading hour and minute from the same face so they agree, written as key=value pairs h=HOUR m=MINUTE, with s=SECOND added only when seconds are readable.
h=8 m=17
